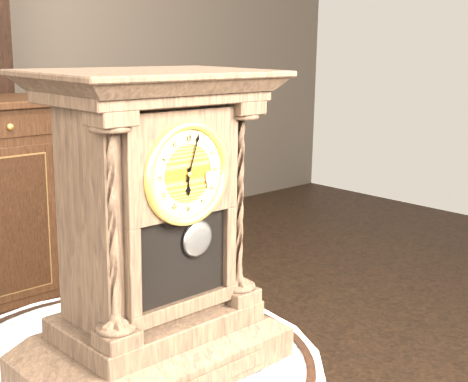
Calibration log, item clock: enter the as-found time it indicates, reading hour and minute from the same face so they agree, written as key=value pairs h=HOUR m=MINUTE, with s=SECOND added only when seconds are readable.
h=6 m=3
